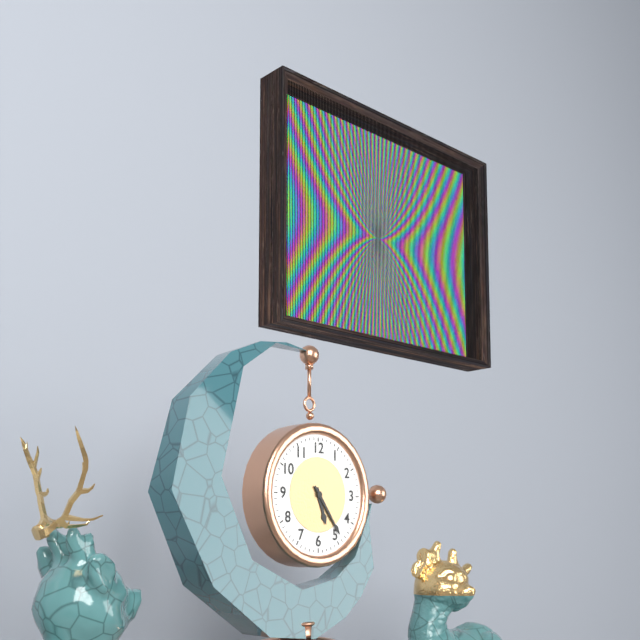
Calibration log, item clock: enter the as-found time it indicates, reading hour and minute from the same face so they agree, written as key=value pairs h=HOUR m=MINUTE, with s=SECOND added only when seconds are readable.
h=5 m=24
